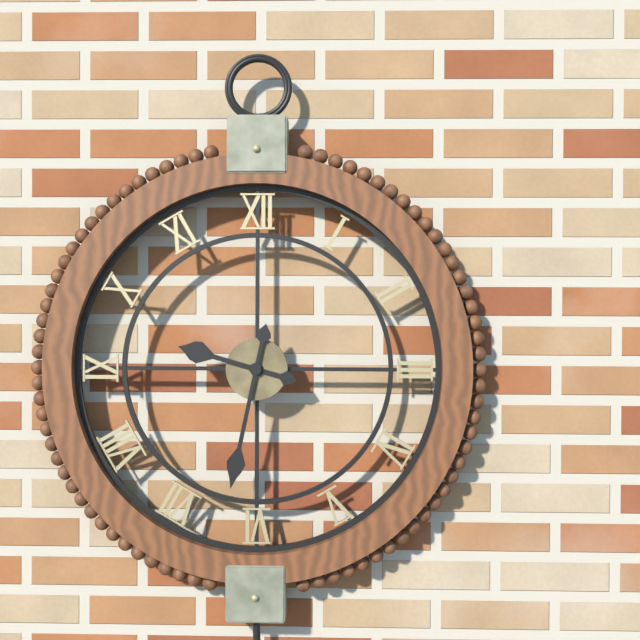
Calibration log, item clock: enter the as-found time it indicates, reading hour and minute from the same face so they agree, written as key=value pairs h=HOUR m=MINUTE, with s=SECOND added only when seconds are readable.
h=9 m=32
